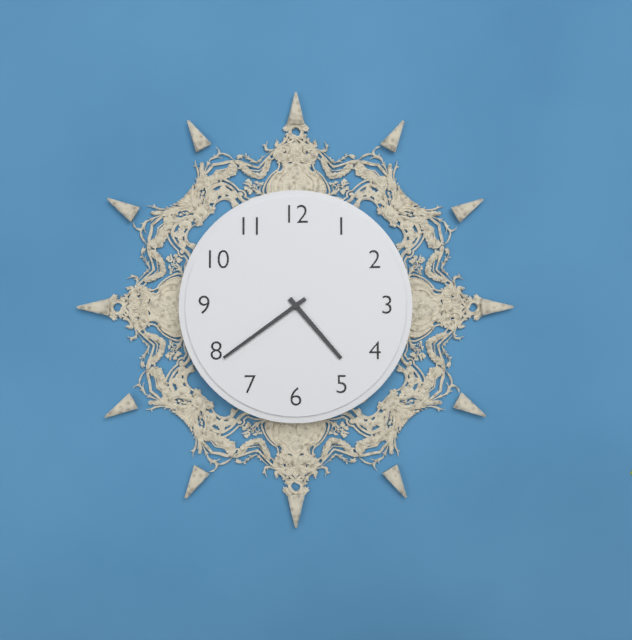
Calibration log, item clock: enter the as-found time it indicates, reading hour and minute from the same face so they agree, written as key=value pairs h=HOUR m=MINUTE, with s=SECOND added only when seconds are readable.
h=4 m=39
